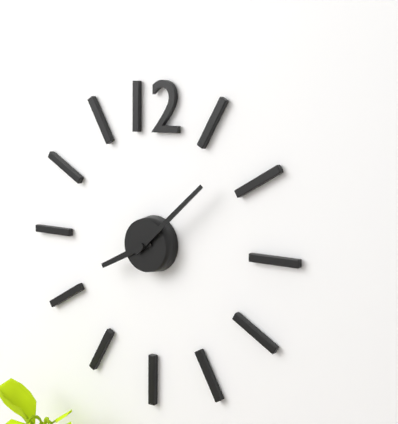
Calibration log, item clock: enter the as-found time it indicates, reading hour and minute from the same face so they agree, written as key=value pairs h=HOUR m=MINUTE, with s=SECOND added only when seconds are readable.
h=8 m=8
